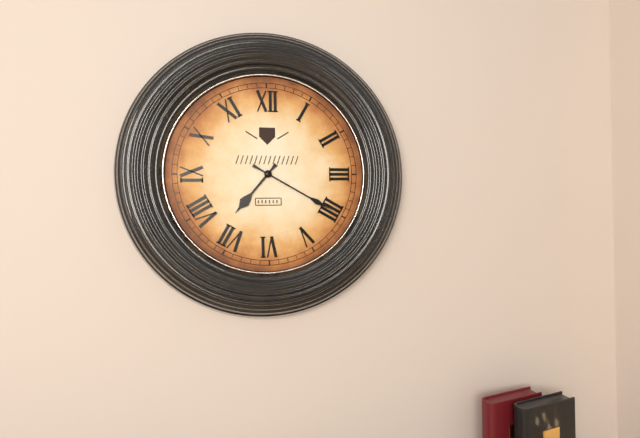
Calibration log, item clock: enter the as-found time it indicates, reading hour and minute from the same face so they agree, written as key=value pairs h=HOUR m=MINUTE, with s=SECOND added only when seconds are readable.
h=7 m=20
